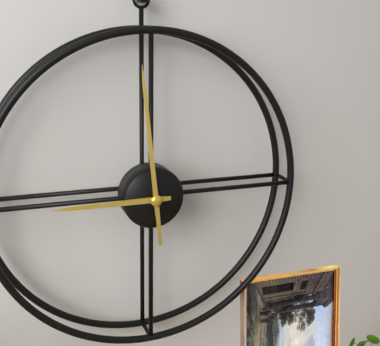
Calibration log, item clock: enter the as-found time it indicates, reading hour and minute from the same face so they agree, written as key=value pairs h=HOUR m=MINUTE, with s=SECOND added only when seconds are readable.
h=8 m=59
